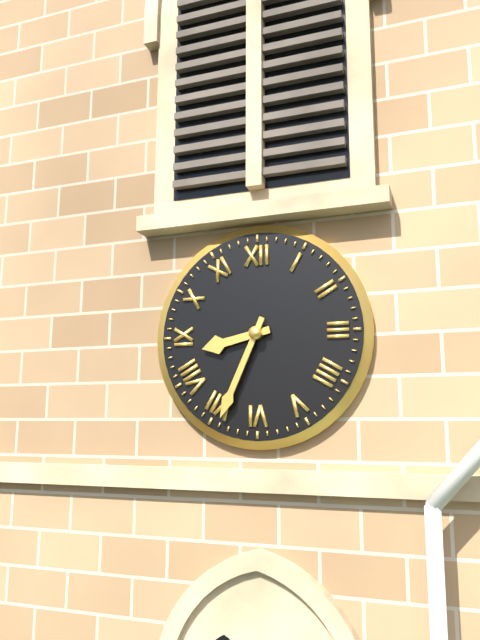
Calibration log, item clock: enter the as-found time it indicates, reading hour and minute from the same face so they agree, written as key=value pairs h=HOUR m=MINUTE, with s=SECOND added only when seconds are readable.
h=8 m=34
